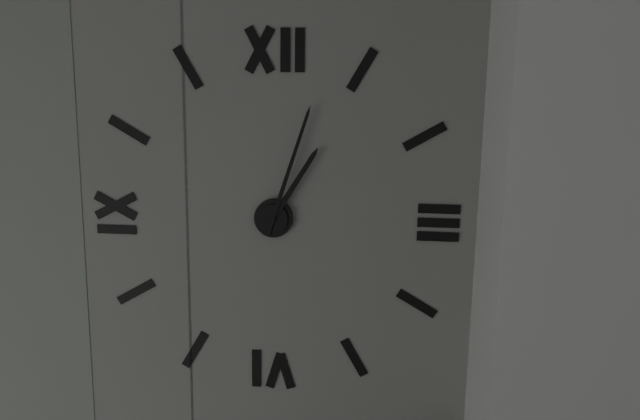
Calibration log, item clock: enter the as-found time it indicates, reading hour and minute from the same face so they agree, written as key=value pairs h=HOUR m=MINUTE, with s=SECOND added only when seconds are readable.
h=1 m=3
